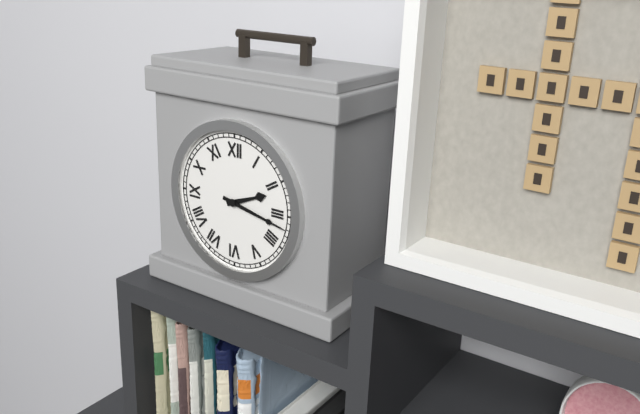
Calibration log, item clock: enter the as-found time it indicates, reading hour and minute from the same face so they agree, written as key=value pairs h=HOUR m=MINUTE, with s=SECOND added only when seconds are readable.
h=2 m=17
